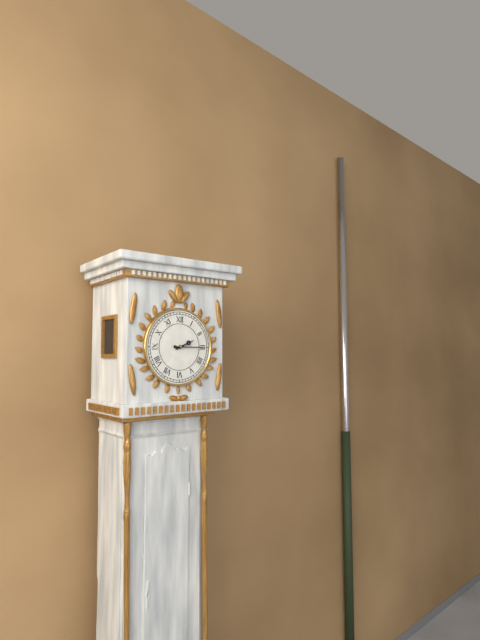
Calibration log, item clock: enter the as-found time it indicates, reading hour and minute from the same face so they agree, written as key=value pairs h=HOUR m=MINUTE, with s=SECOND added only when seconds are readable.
h=2 m=15
